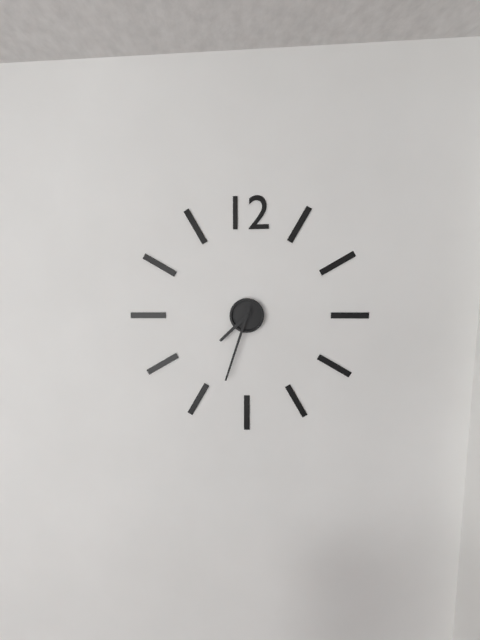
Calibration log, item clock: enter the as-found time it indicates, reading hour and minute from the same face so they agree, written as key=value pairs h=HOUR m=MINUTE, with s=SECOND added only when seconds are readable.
h=7 m=33
